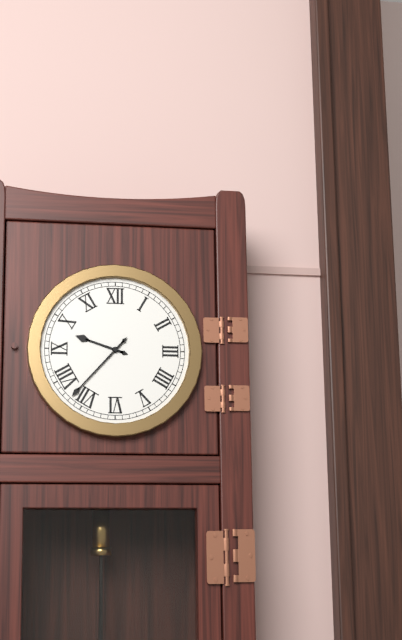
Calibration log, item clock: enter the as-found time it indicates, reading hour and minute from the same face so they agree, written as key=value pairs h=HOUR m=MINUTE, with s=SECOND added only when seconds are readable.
h=9 m=37
